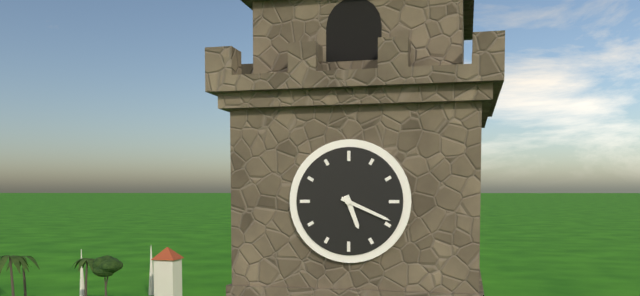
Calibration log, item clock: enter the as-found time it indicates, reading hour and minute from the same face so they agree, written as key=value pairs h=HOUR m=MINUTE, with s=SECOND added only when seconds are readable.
h=5 m=19
